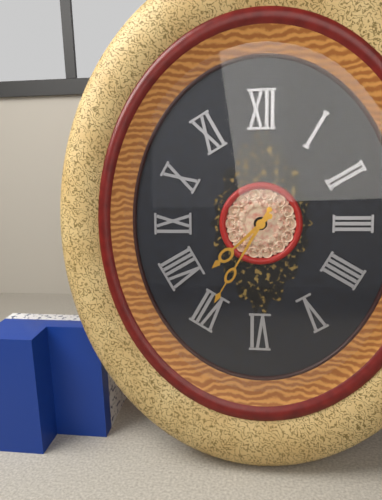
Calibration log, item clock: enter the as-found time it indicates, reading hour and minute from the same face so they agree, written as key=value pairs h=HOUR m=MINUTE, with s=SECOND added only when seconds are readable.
h=7 m=35
